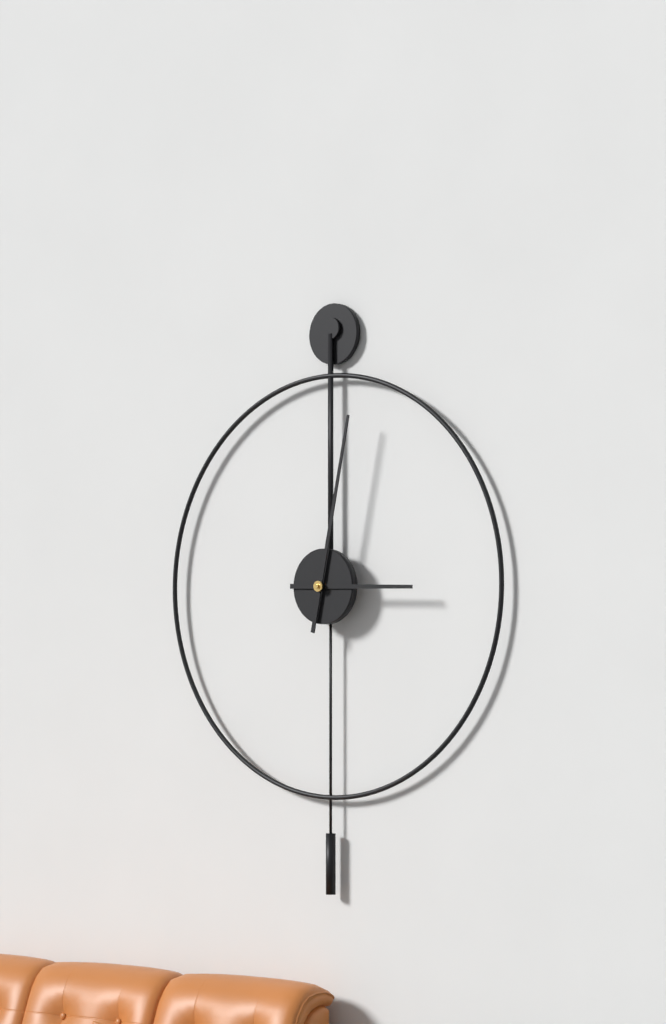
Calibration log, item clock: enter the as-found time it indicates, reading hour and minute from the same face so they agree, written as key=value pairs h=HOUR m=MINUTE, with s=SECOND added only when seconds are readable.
h=3 m=2
